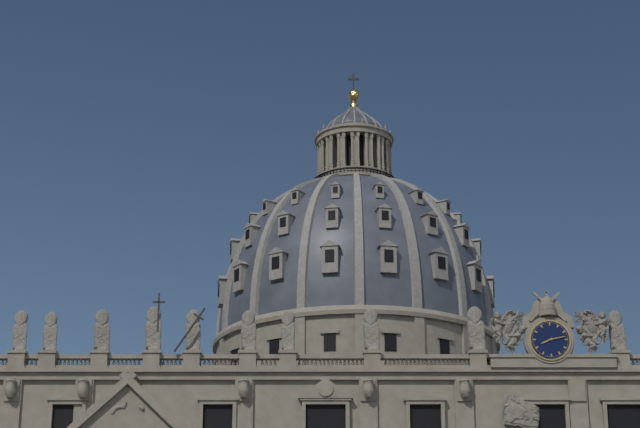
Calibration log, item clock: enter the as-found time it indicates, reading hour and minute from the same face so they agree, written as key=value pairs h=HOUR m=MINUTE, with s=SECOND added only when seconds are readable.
h=8 m=13
